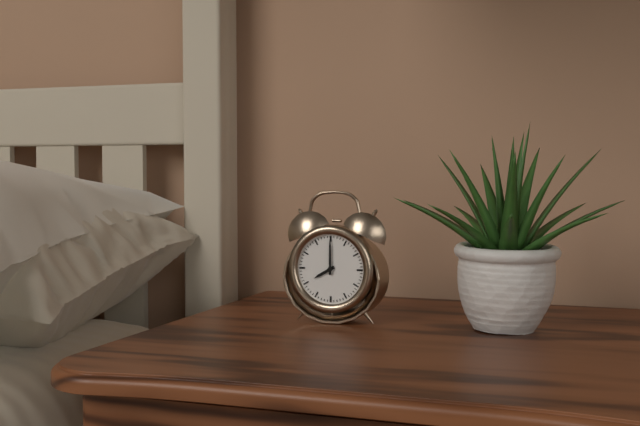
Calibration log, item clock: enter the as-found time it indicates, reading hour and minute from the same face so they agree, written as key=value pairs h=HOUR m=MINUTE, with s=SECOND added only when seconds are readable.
h=8 m=0
